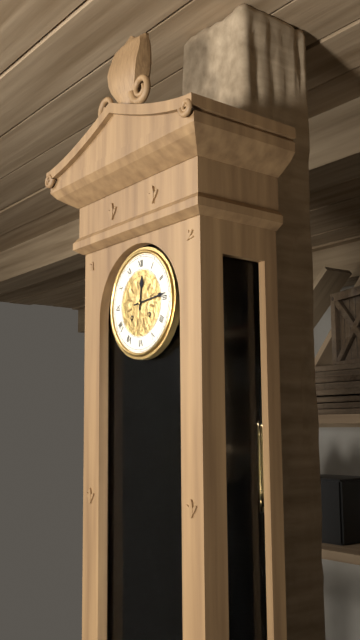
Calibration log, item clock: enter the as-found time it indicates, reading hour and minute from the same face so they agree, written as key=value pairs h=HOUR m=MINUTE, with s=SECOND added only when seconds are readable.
h=12 m=14
